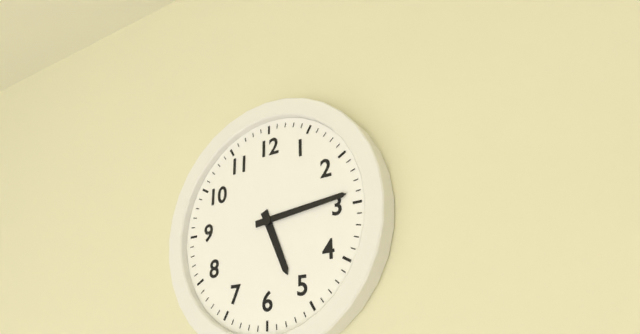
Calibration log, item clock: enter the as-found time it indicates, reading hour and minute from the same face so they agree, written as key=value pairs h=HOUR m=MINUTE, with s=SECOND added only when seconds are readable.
h=5 m=14
